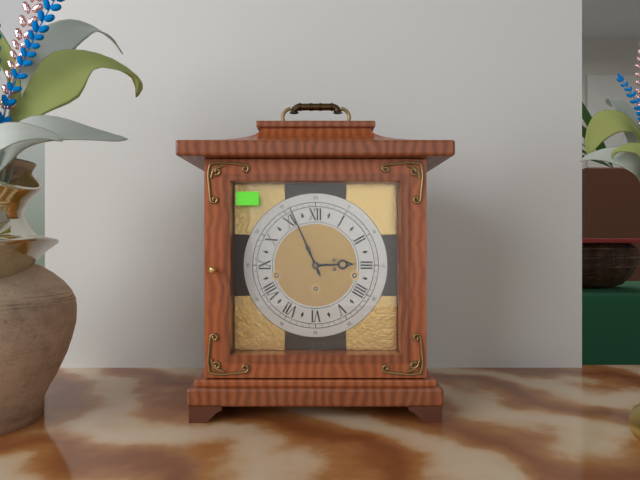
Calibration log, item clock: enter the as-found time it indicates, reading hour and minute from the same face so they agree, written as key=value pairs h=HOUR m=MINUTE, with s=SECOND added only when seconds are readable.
h=2 m=56
